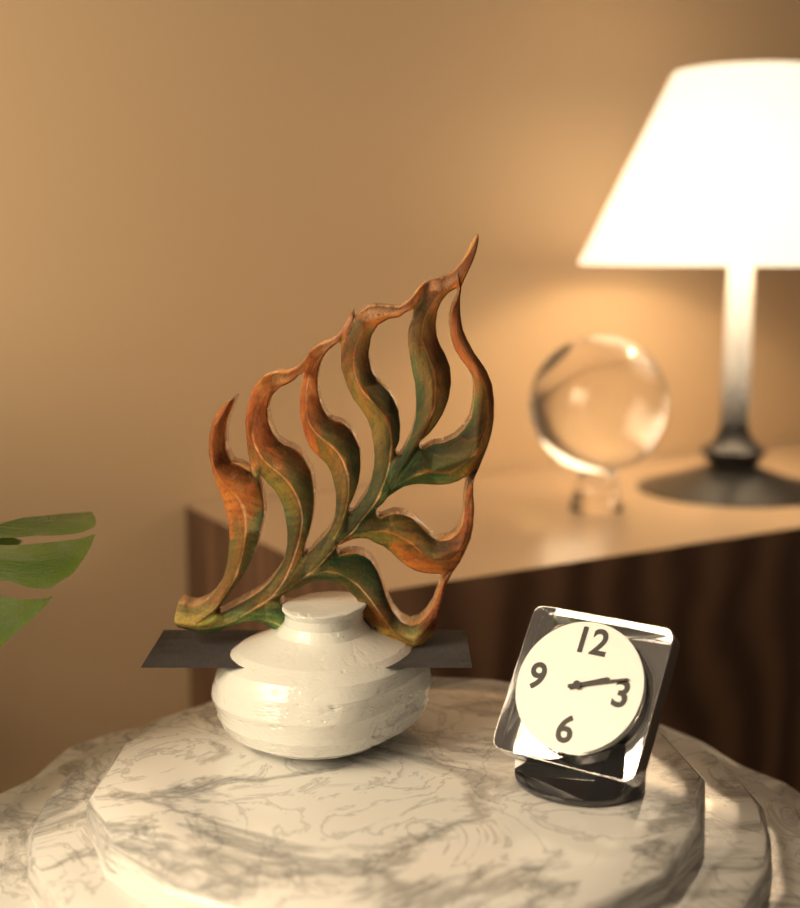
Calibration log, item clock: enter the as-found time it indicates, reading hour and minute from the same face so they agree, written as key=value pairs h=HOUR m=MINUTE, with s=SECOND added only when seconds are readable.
h=2 m=12
